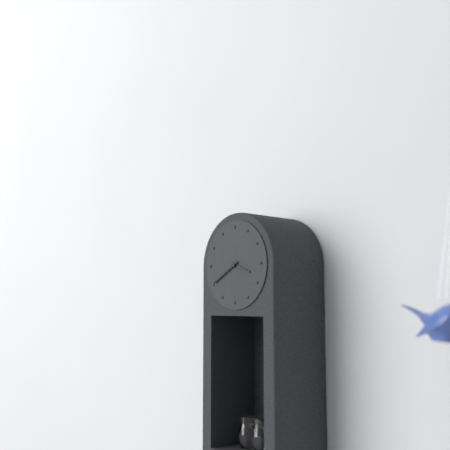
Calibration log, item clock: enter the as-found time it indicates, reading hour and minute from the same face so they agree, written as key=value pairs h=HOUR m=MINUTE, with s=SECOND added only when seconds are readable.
h=3 m=40
